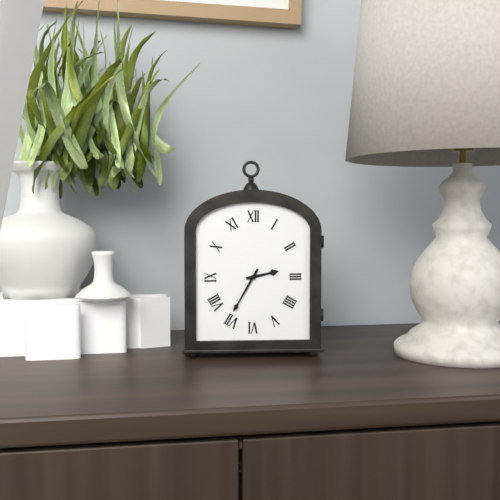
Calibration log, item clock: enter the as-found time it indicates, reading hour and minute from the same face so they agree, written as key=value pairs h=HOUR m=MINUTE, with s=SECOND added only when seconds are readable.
h=2 m=35
